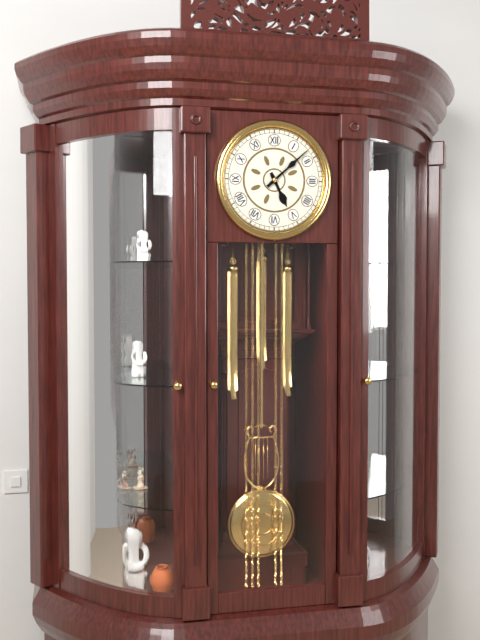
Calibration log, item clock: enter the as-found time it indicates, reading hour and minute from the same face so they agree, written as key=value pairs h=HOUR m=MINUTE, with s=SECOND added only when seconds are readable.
h=5 m=8
